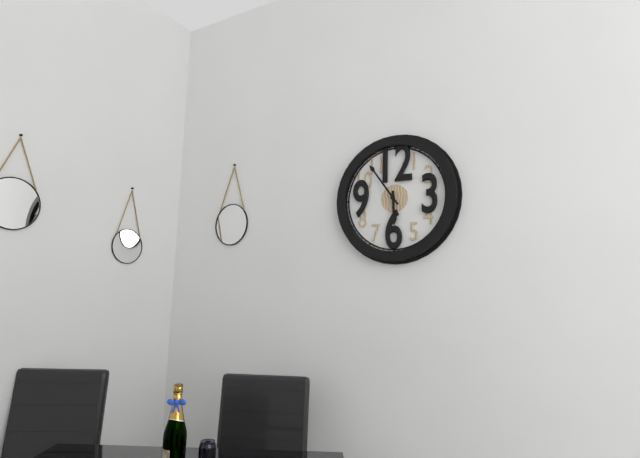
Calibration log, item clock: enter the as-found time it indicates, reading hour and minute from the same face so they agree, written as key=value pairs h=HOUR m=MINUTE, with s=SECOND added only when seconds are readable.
h=5 m=54
